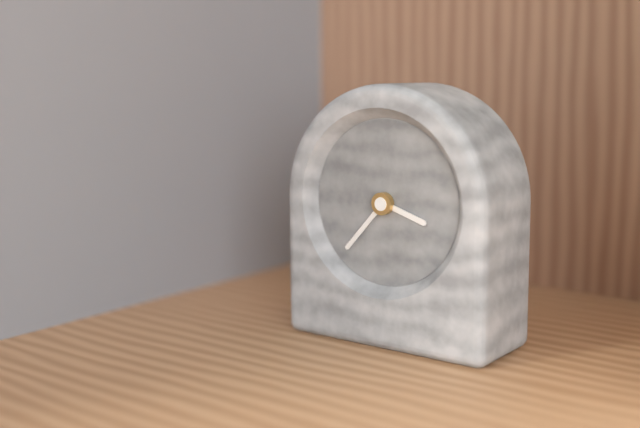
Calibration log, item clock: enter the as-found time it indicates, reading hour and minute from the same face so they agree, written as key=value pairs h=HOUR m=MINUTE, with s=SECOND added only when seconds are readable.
h=3 m=37
